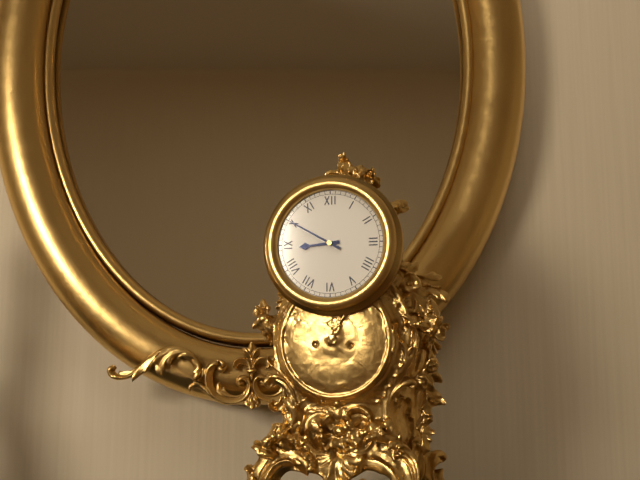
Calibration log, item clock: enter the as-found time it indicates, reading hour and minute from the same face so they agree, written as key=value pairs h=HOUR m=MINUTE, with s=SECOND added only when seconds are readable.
h=8 m=50
